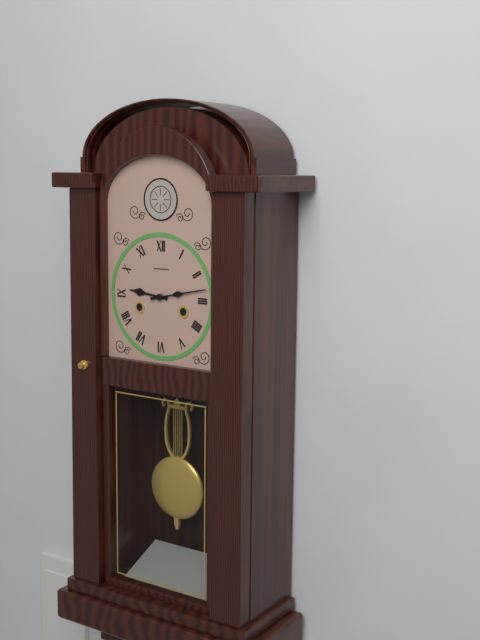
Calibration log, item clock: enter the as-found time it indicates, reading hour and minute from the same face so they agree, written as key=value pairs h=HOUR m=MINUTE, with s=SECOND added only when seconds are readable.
h=9 m=13
